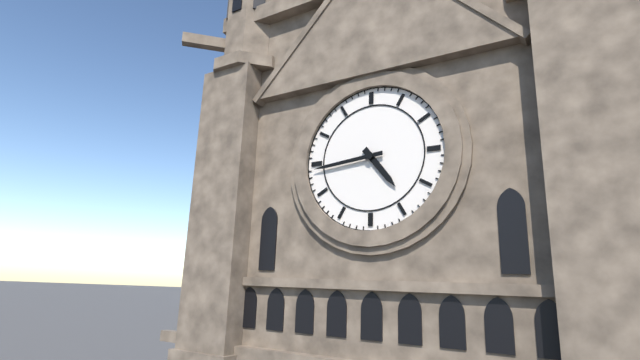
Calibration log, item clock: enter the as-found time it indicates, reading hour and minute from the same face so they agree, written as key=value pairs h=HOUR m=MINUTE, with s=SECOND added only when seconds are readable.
h=4 m=44
